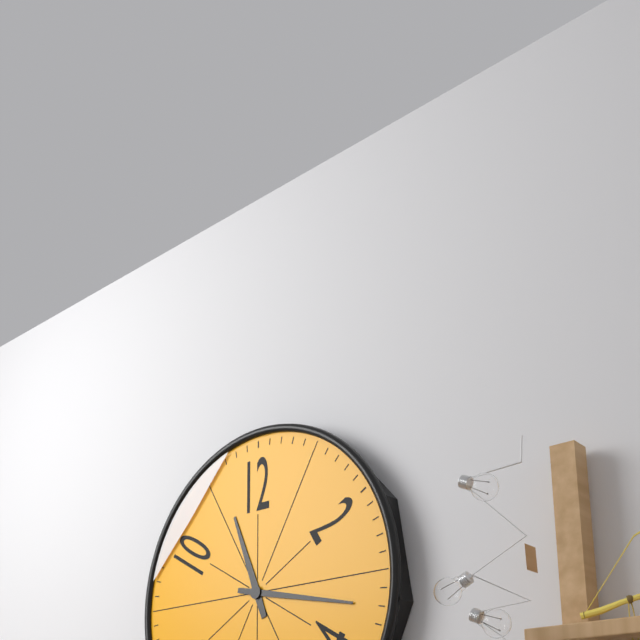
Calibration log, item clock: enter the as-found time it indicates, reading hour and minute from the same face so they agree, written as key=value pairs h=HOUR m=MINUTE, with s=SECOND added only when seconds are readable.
h=11 m=17
